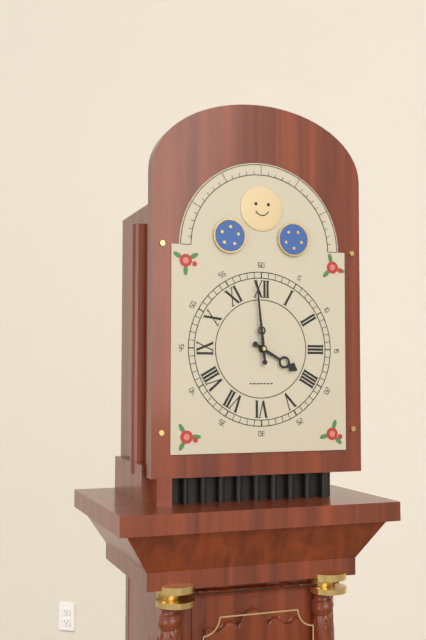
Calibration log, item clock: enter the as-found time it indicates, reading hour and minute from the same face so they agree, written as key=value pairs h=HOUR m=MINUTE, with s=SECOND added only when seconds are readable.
h=3 m=59
